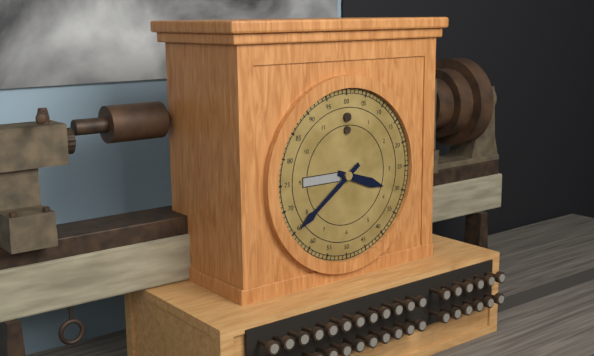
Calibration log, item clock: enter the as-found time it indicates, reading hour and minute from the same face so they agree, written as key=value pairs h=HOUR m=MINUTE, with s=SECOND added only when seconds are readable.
h=3 m=39
